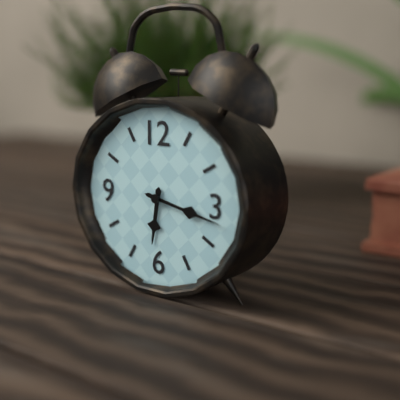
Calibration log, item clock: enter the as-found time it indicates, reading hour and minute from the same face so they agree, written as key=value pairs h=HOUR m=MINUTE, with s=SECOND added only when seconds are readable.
h=6 m=17
